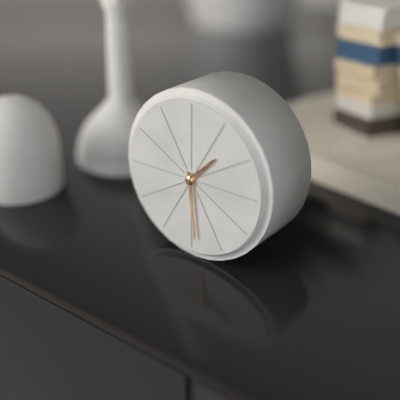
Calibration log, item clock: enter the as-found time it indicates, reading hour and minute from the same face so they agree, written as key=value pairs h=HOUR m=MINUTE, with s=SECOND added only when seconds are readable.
h=1 m=29
